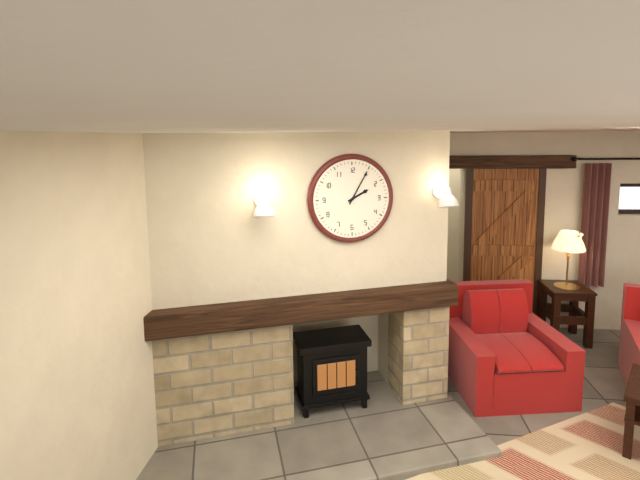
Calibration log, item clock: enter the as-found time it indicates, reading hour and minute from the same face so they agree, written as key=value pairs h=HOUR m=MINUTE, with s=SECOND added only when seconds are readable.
h=2 m=5
